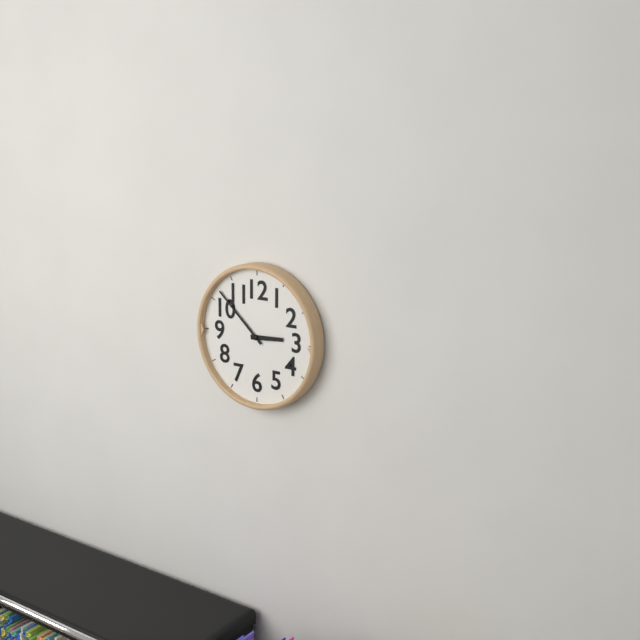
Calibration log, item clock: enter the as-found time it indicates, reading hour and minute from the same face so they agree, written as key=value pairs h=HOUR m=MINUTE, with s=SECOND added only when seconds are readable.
h=2 m=52
